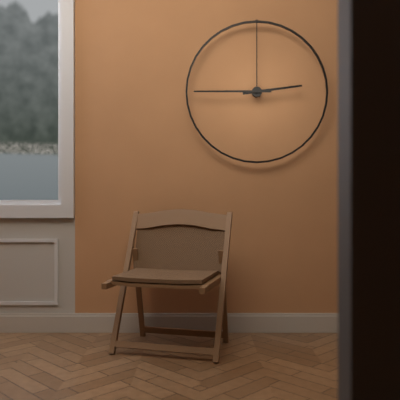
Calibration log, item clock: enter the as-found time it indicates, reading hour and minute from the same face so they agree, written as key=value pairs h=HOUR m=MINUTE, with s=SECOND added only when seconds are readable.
h=2 m=45
